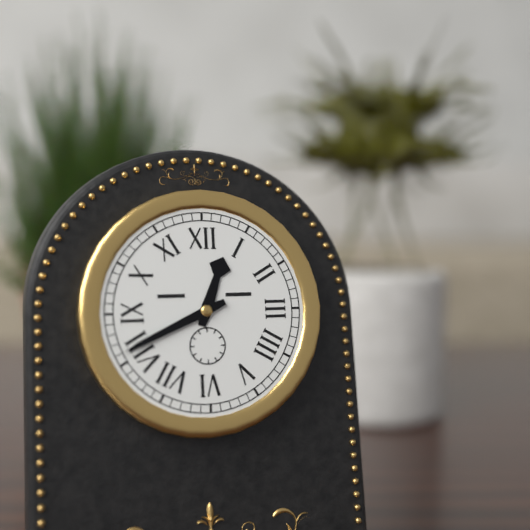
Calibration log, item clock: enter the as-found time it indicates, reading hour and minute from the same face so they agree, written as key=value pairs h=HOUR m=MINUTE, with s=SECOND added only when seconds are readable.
h=12 m=41
